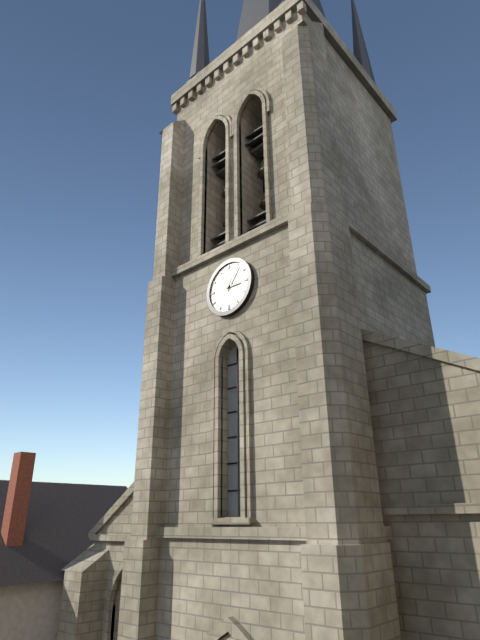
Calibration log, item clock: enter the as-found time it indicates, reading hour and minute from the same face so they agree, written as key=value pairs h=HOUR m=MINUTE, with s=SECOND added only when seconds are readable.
h=3 m=6
